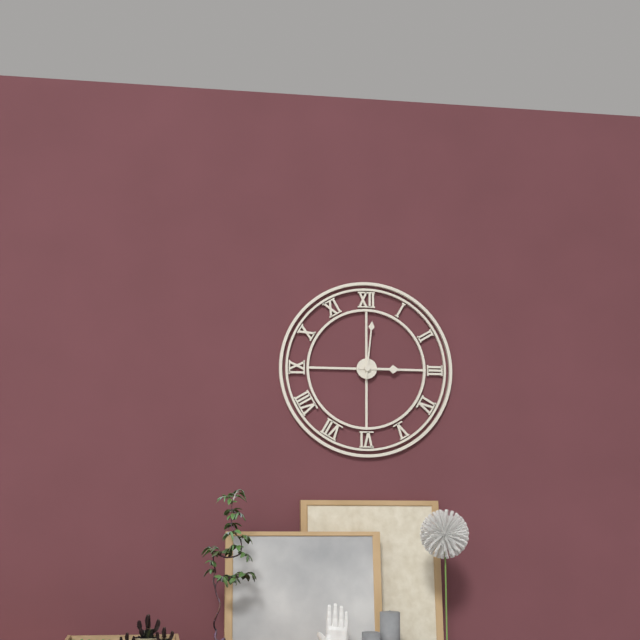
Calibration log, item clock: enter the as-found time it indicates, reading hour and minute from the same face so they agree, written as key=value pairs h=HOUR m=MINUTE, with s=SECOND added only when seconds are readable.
h=3 m=1
